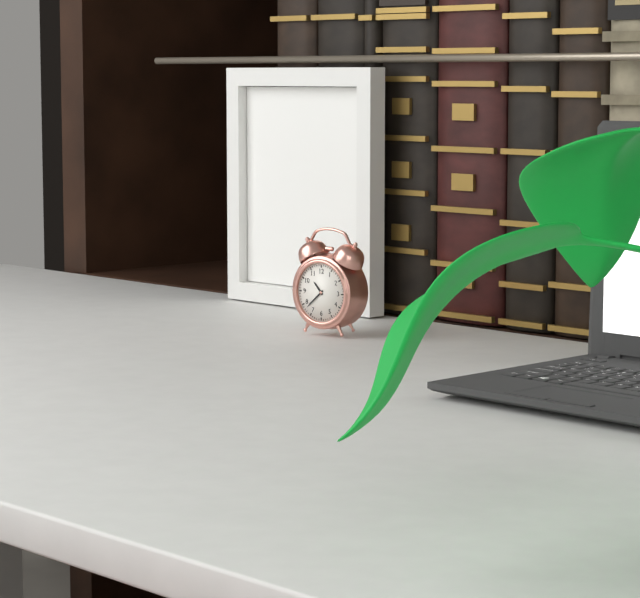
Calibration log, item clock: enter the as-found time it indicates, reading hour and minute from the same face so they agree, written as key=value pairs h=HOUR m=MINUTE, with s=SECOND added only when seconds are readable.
h=10 m=38
